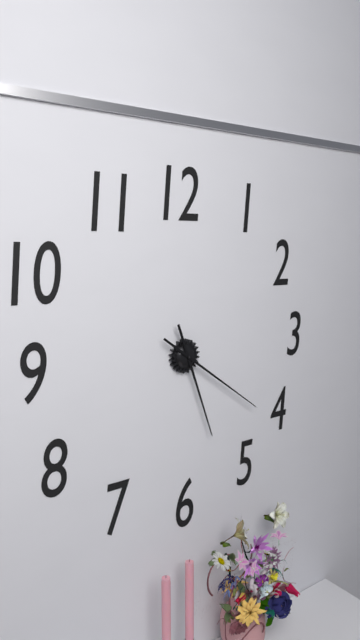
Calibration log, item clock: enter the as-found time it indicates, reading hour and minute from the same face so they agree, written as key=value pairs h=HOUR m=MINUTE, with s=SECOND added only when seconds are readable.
h=5 m=21
